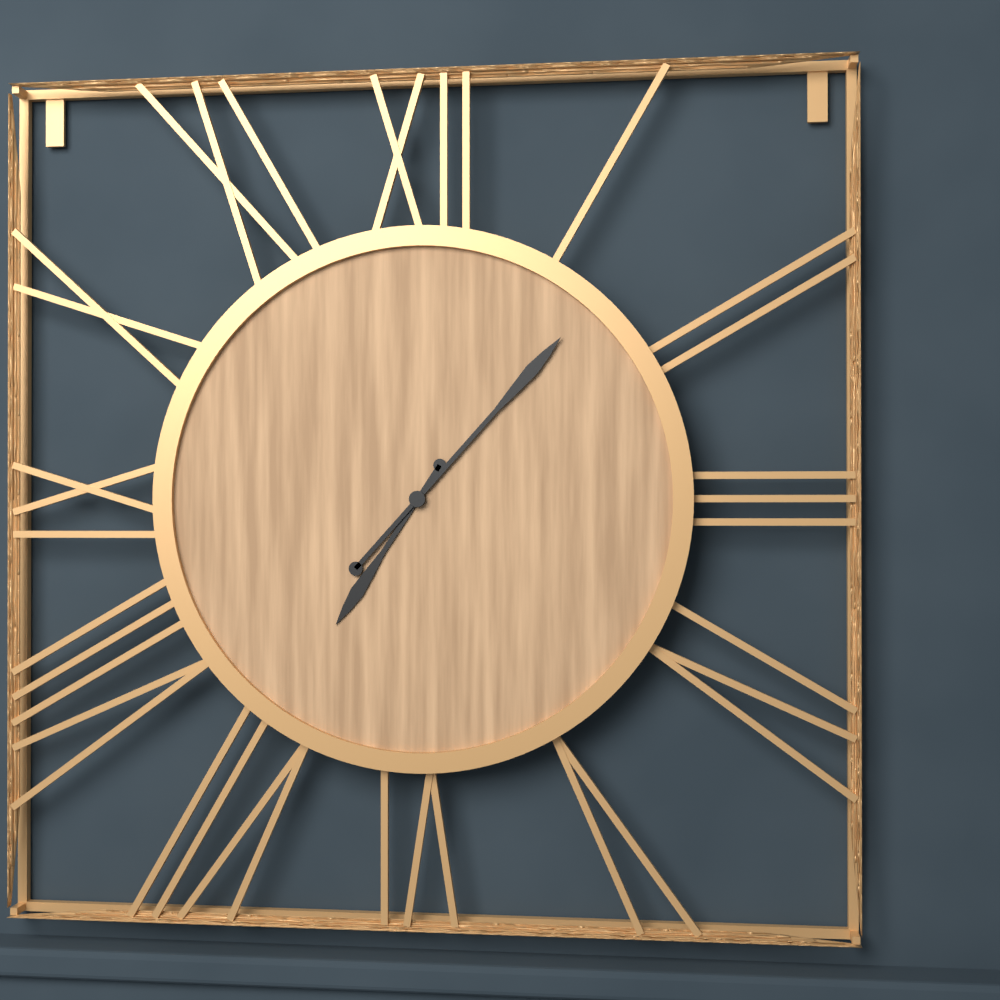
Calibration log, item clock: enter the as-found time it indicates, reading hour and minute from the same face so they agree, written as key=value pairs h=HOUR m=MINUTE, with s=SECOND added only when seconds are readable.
h=7 m=7
